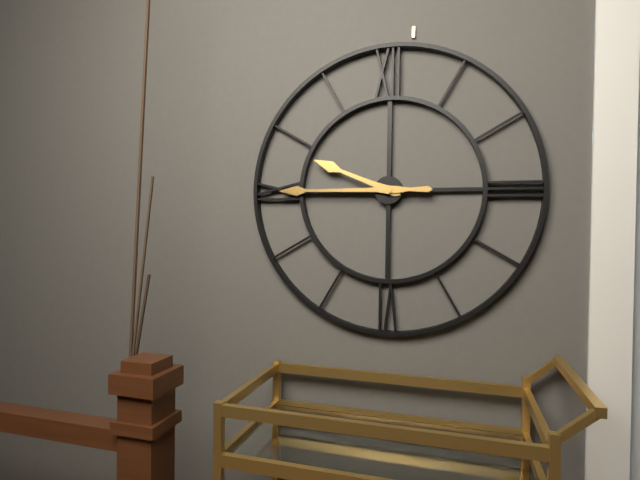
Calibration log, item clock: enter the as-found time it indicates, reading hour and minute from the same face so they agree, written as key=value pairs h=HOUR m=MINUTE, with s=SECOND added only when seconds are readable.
h=9 m=45
